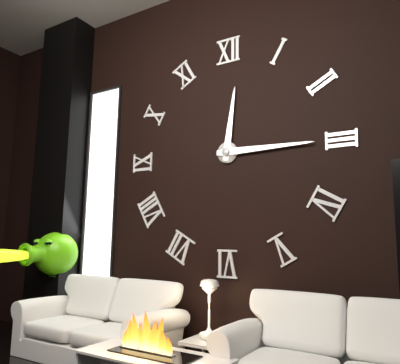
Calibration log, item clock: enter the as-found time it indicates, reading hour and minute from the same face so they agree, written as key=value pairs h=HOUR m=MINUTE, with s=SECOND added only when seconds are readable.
h=12 m=15
